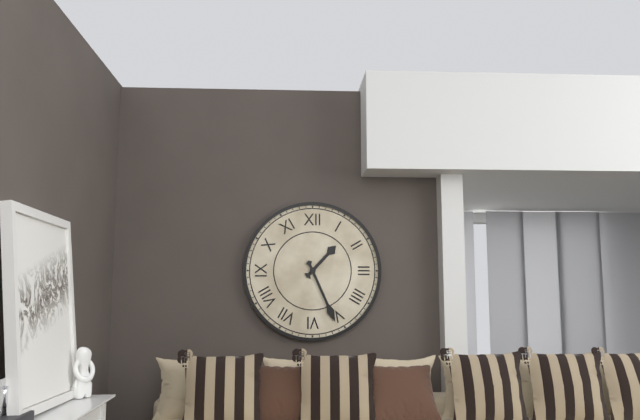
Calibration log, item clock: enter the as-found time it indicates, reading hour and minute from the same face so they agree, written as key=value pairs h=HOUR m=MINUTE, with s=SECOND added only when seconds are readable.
h=1 m=26
